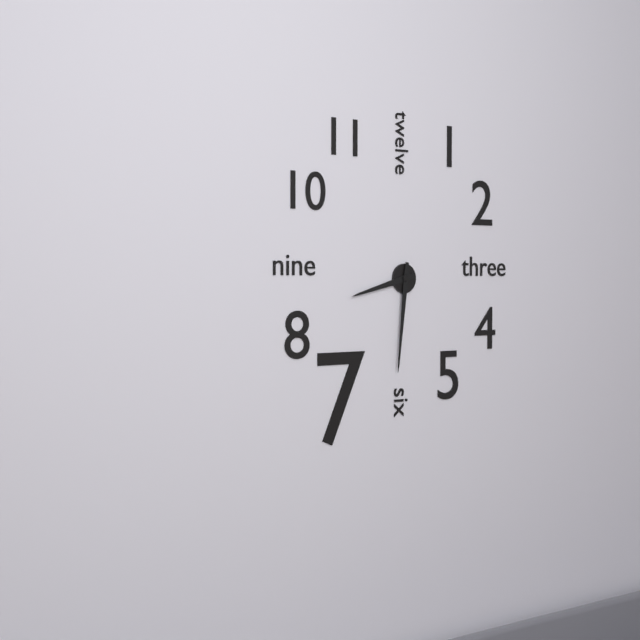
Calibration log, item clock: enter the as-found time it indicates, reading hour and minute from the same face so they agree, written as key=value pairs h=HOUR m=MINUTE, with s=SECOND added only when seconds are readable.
h=8 m=31
